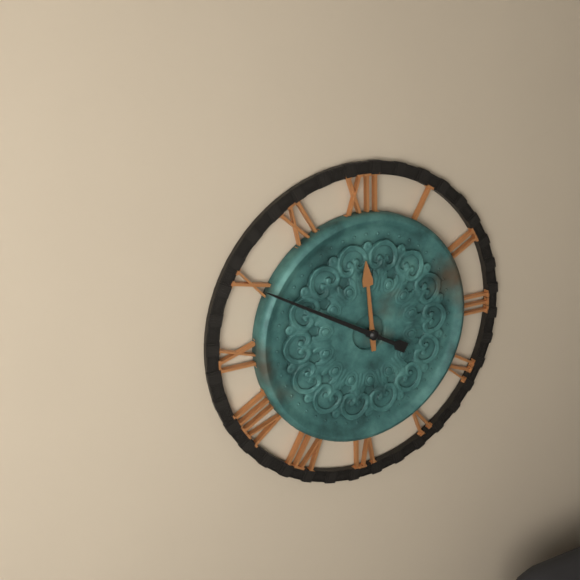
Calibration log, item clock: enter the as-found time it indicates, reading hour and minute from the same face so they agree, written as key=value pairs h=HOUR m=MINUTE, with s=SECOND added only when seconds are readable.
h=11 m=50
